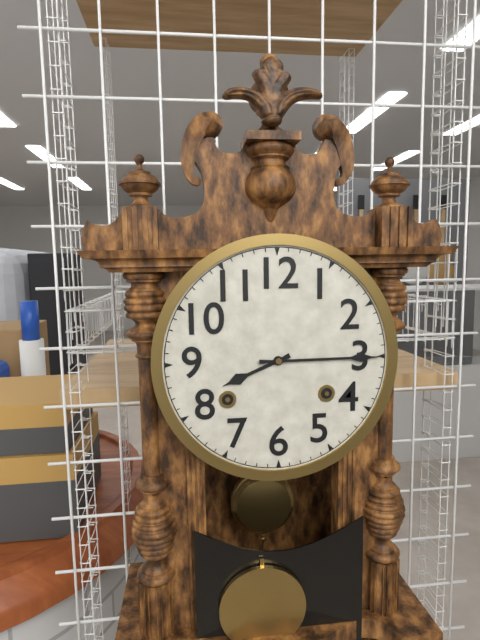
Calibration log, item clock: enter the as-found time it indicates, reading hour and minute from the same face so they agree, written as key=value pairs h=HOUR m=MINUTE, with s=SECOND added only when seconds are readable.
h=8 m=15
